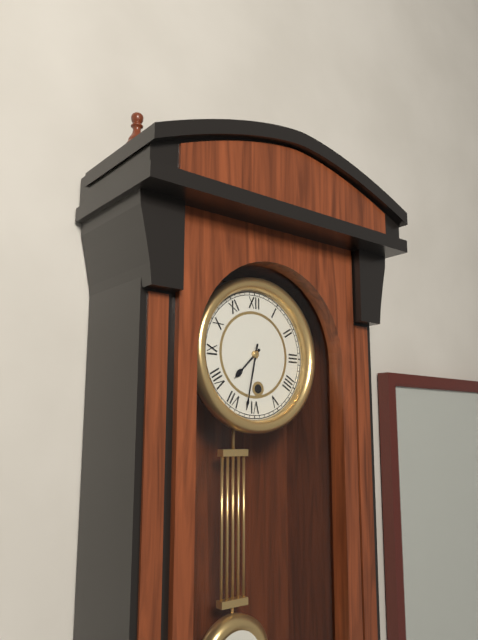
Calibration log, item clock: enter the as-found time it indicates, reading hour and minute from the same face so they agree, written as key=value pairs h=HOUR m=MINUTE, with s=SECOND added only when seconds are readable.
h=7 m=32
